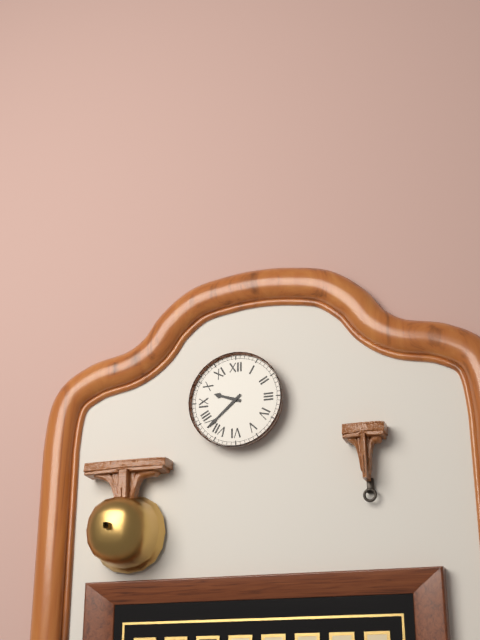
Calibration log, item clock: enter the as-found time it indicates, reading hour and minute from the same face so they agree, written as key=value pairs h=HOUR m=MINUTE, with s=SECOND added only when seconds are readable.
h=9 m=38
